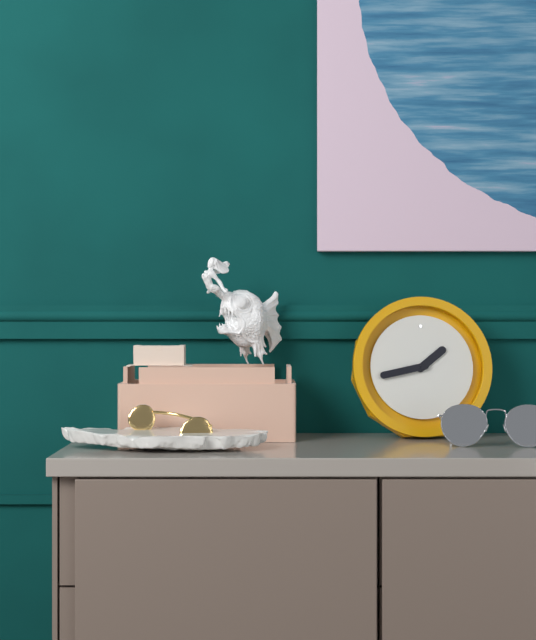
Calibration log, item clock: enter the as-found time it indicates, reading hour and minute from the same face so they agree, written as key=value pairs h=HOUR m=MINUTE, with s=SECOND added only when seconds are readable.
h=1 m=43
